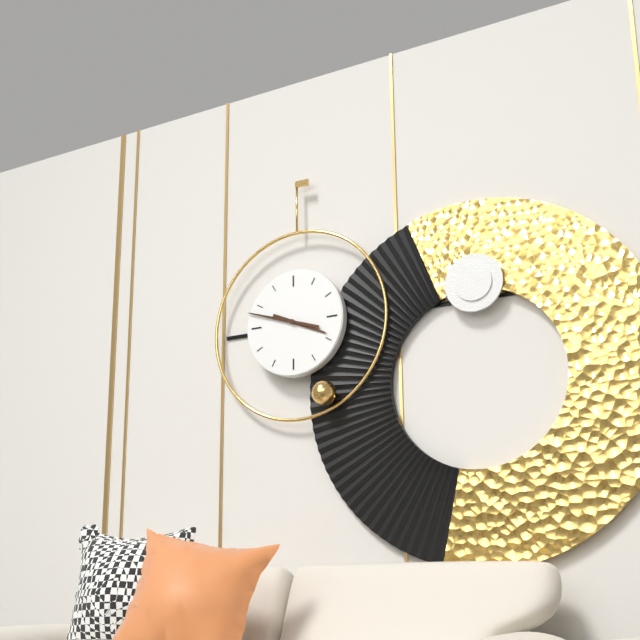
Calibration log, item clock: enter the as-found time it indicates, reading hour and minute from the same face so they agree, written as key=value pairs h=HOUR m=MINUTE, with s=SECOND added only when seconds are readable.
h=3 m=48
